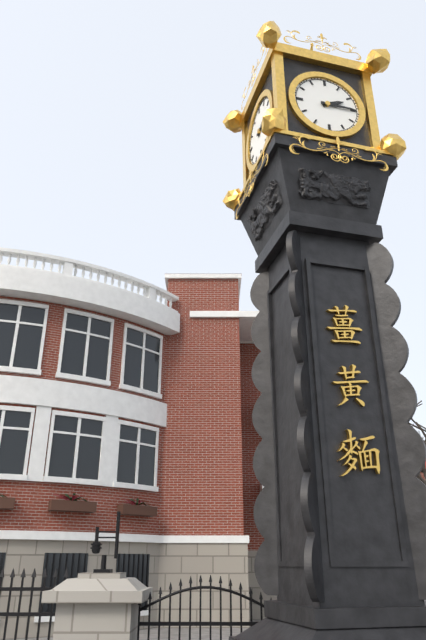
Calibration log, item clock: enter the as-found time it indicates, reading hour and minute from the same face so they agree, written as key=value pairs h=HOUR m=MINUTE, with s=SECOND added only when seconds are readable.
h=2 m=15
